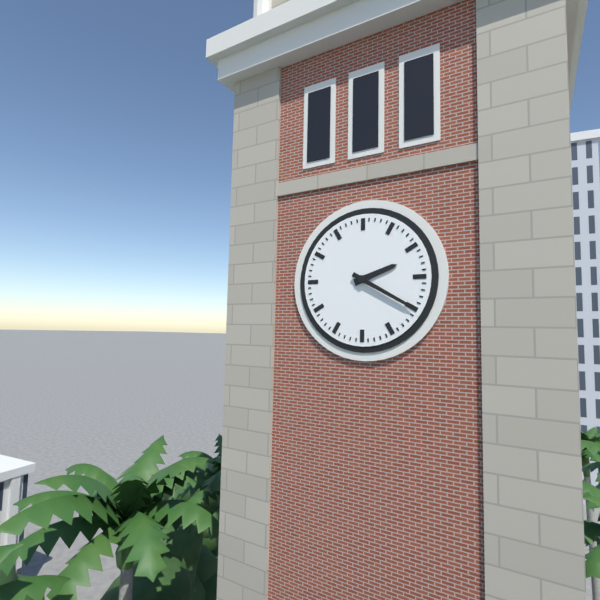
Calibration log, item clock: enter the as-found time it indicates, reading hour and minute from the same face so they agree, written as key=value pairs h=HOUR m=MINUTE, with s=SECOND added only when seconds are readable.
h=2 m=20
